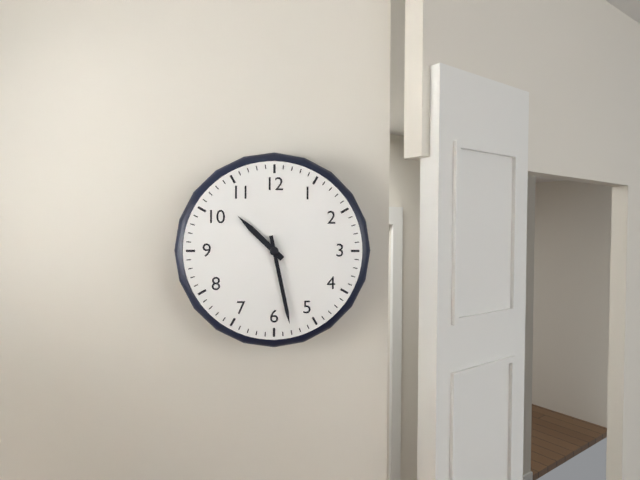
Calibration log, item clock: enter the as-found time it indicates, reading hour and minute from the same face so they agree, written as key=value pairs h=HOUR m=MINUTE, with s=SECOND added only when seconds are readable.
h=10 m=28
